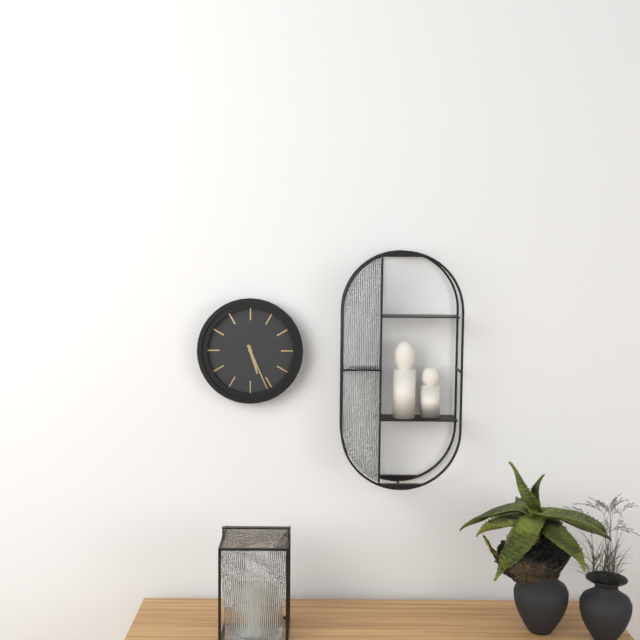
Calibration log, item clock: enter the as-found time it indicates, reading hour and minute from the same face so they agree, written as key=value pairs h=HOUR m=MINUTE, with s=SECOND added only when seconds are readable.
h=5 m=26
